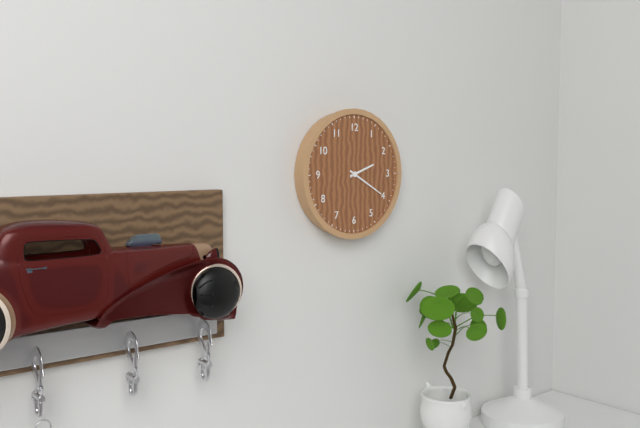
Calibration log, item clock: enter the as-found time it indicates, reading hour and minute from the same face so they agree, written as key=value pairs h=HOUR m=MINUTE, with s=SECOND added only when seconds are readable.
h=2 m=20
